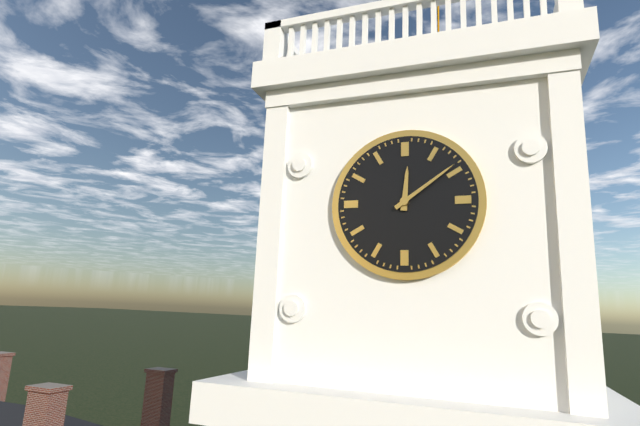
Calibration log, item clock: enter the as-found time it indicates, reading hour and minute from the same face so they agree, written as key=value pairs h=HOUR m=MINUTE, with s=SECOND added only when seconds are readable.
h=12 m=9
